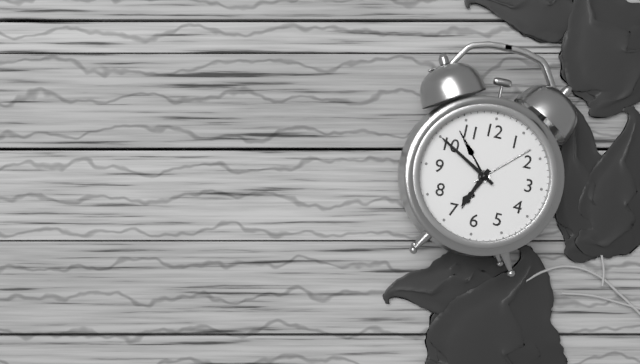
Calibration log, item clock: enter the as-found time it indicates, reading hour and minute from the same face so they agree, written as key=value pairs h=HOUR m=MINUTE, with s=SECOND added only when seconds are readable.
h=6 m=50
